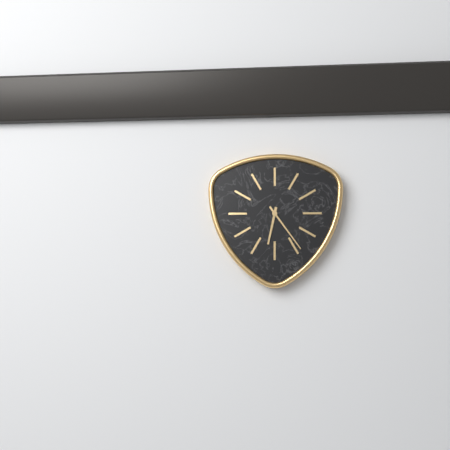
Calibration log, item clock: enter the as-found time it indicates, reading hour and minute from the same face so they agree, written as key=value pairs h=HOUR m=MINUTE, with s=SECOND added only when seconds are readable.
h=6 m=24
